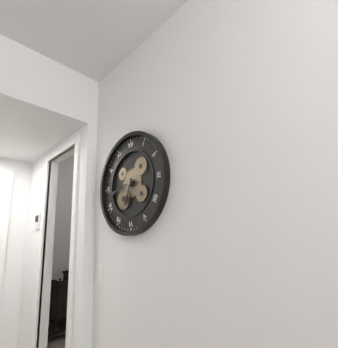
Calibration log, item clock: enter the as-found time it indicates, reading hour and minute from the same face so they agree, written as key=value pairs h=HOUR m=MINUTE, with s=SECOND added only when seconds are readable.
h=6 m=43
